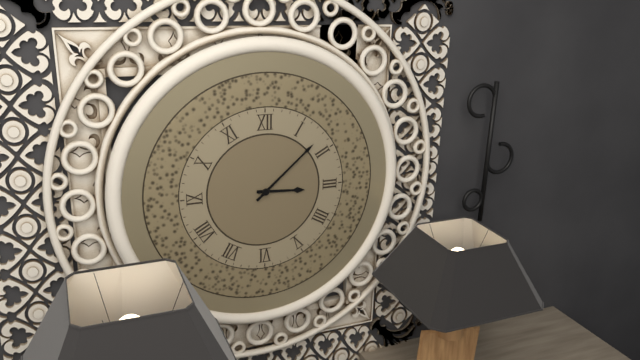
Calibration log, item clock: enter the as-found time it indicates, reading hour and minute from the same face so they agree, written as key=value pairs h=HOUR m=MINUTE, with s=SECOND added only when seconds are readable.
h=3 m=8
